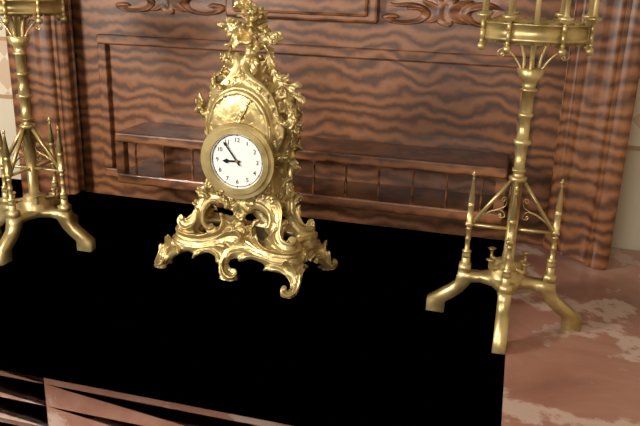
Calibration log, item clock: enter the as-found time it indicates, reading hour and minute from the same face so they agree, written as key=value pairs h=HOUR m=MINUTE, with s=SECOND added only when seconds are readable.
h=8 m=54
